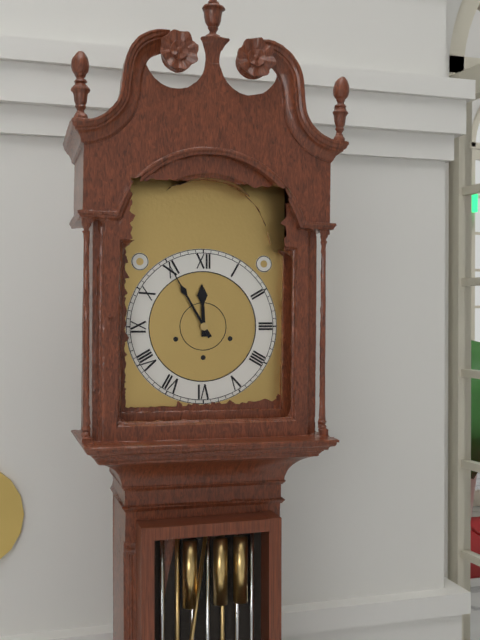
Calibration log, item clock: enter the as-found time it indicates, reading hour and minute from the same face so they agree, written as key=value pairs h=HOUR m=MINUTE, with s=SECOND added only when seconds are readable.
h=11 m=55
